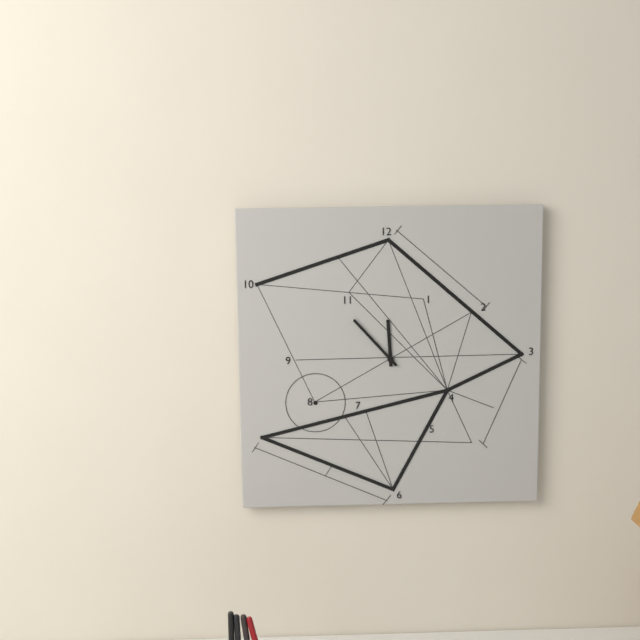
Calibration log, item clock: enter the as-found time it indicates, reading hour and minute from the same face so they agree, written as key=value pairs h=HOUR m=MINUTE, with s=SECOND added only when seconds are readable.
h=11 m=53
